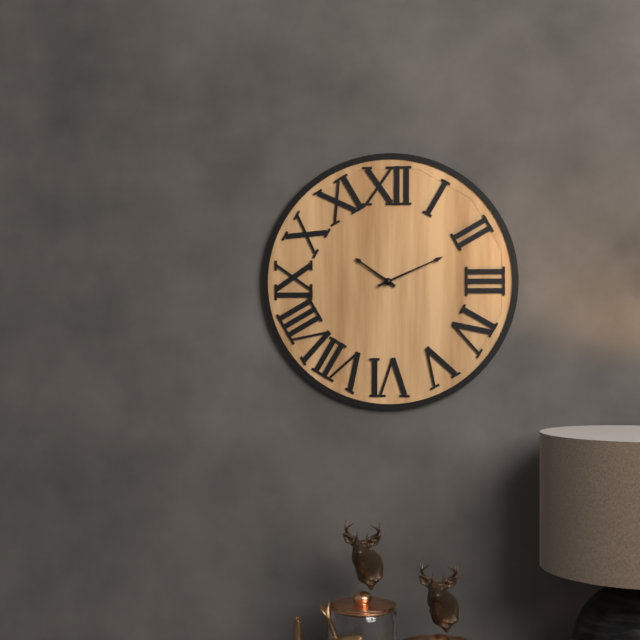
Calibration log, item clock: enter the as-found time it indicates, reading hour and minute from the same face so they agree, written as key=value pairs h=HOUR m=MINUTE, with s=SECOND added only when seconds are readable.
h=10 m=11
